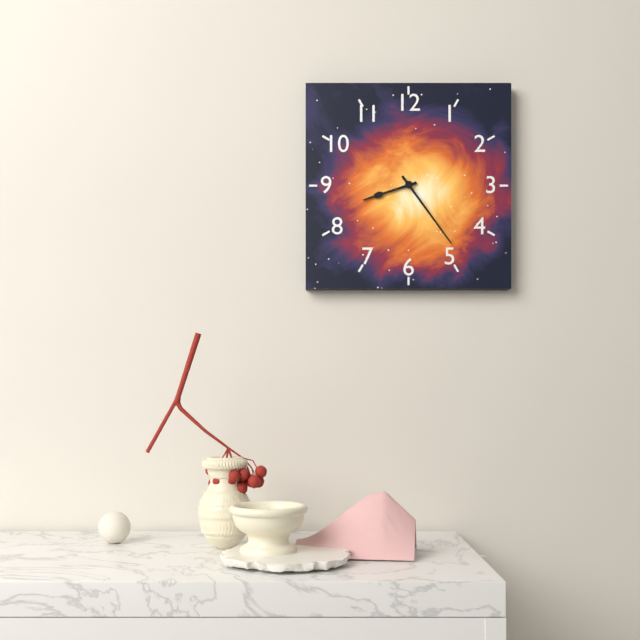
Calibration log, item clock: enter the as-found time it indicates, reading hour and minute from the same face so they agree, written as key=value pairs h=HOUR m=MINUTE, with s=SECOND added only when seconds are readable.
h=8 m=24
